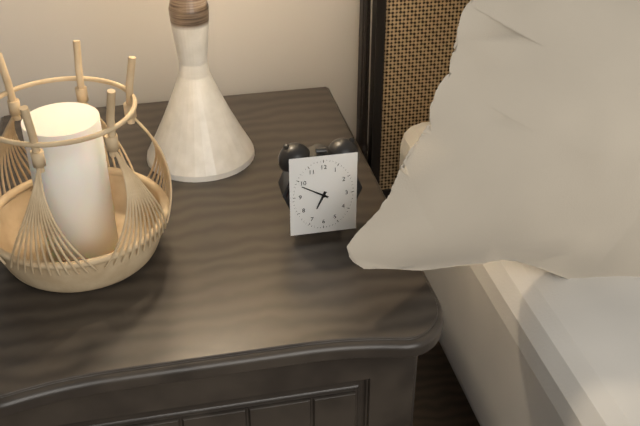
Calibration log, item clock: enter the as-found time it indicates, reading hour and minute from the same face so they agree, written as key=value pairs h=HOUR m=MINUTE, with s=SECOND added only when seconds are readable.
h=6 m=50
